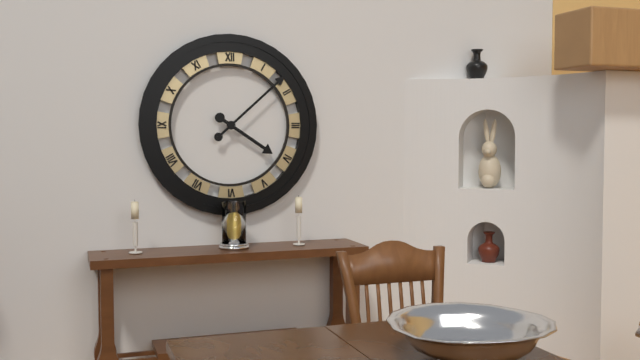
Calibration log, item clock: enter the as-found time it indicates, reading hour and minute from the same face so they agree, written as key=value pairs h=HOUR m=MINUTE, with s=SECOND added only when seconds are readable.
h=4 m=8
